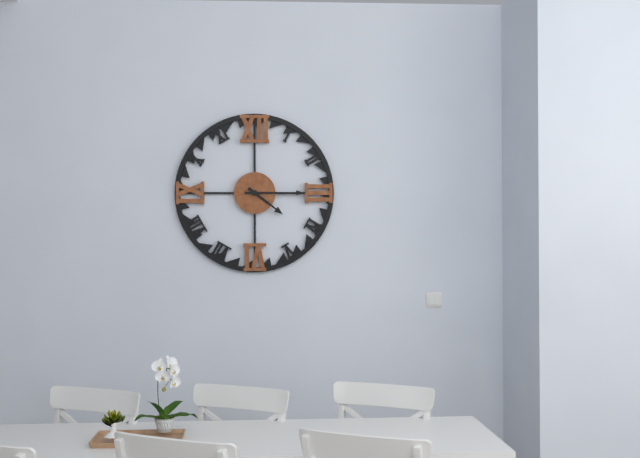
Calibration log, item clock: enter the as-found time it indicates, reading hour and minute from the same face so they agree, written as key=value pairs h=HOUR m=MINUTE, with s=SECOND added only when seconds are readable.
h=4 m=15
